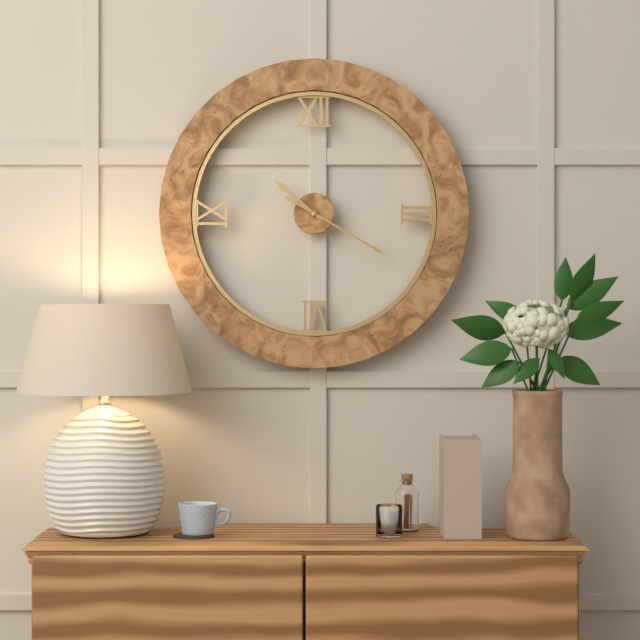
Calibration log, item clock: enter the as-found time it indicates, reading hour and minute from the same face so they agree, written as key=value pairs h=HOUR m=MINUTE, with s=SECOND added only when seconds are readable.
h=10 m=20
